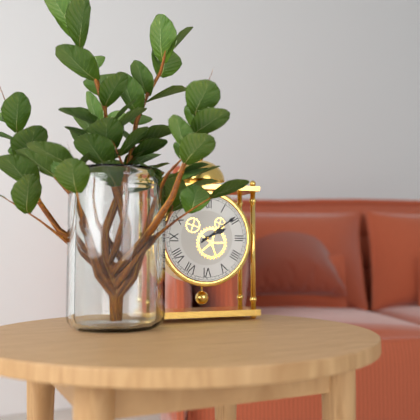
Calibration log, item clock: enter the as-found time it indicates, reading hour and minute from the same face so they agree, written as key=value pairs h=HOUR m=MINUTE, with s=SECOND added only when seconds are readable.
h=2 m=9
